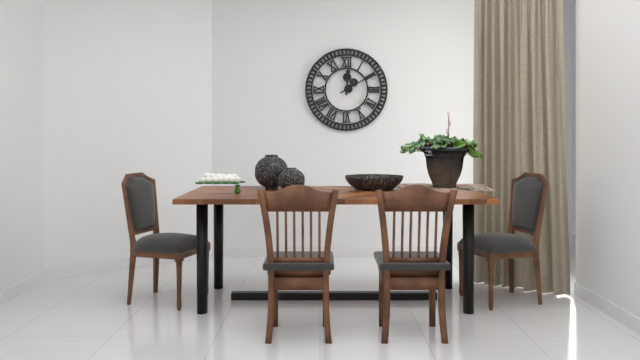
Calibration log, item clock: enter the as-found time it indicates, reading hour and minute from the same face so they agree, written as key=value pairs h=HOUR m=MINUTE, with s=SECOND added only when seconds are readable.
h=12 m=10
